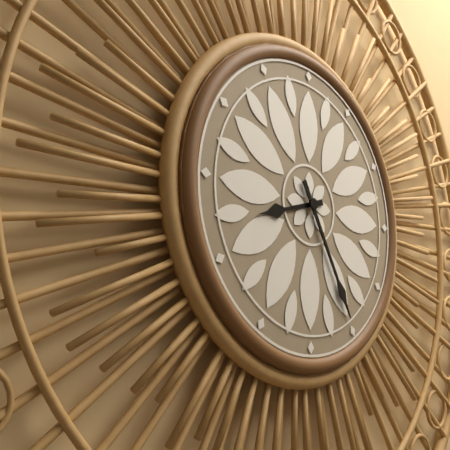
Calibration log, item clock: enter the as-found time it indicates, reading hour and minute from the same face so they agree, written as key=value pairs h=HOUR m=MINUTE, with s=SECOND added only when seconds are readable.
h=8 m=25
